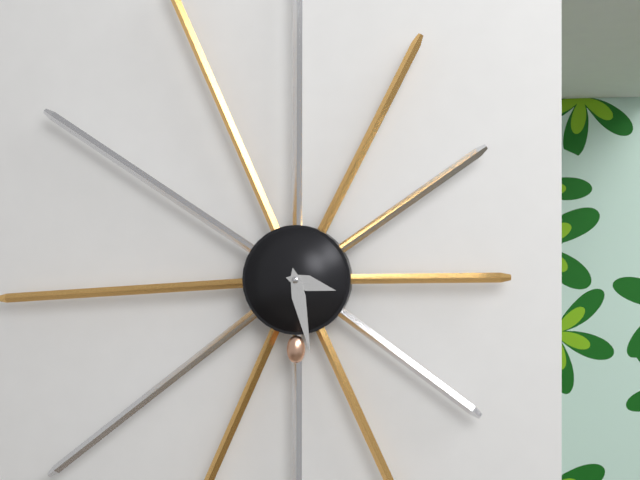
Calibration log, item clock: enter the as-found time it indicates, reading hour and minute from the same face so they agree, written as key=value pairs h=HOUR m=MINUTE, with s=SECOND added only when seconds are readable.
h=3 m=28
